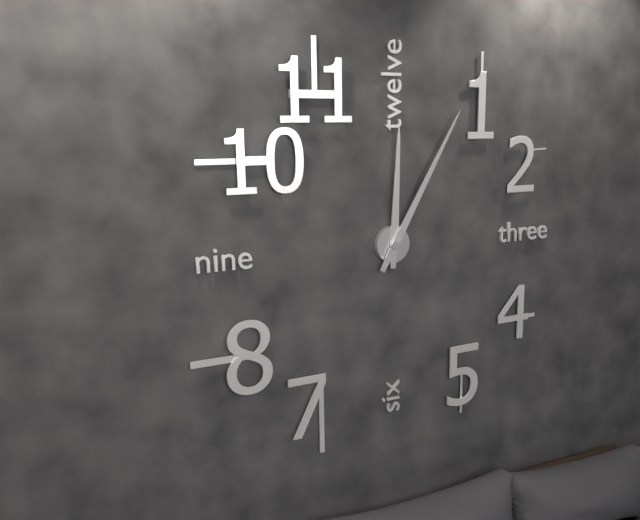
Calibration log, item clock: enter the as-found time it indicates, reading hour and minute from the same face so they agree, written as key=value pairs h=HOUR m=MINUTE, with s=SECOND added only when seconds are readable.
h=12 m=5
